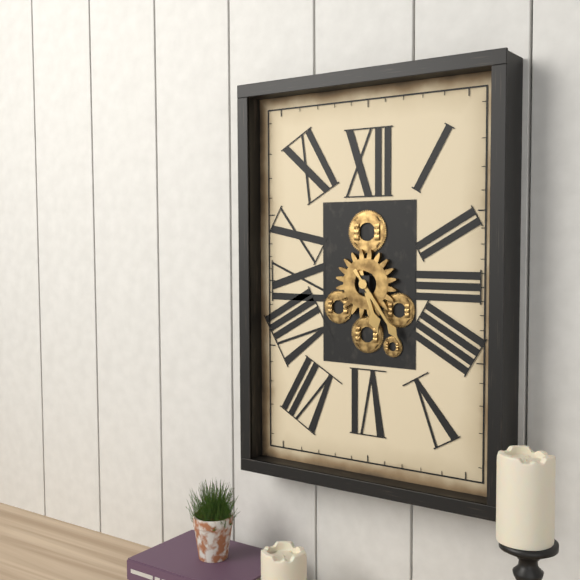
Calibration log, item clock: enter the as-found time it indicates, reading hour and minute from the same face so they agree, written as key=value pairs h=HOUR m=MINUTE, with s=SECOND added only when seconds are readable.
h=5 m=24
